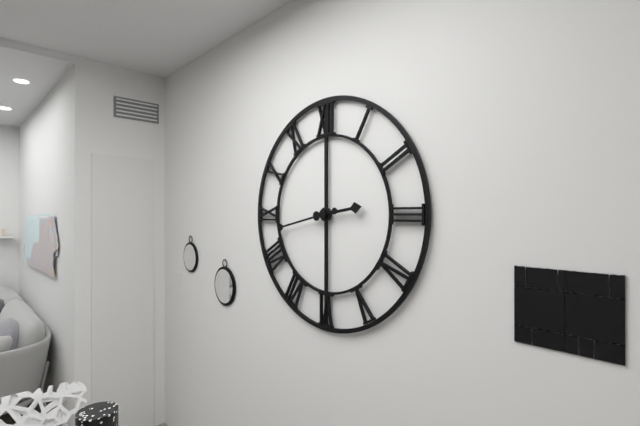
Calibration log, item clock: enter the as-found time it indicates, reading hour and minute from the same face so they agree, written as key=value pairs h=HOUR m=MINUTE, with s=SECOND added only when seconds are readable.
h=2 m=43
